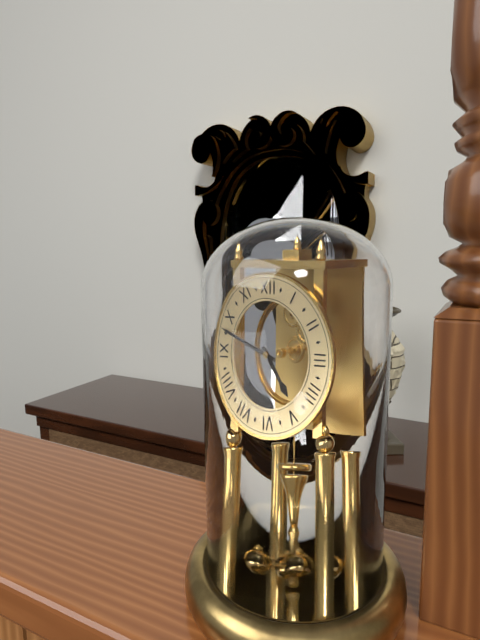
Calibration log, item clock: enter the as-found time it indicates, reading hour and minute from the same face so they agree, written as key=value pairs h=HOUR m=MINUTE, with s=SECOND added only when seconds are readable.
h=4 m=48
